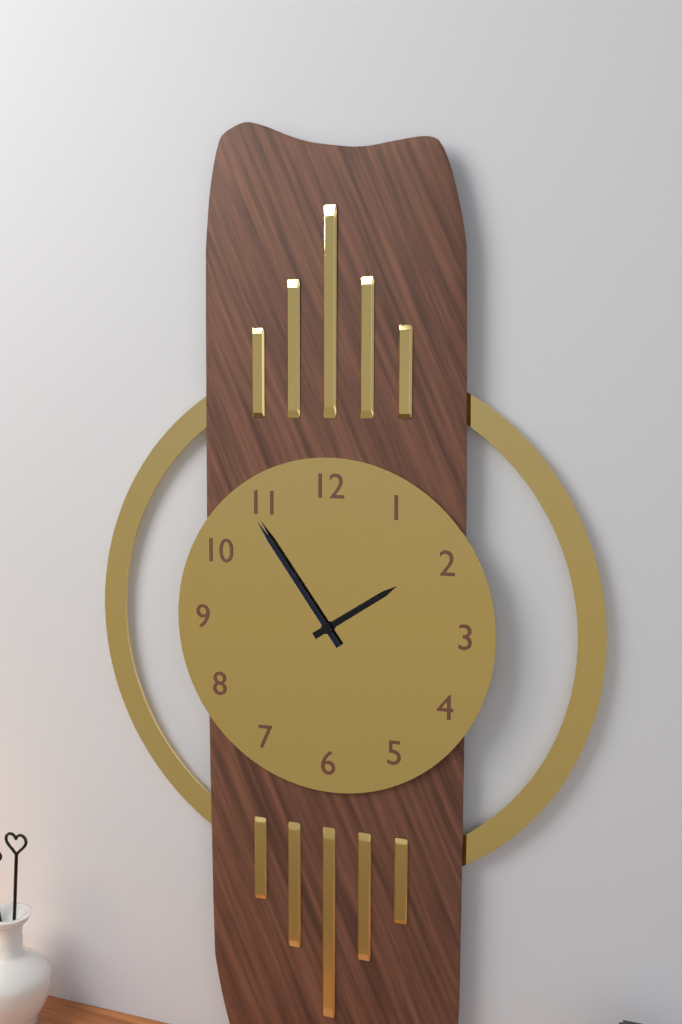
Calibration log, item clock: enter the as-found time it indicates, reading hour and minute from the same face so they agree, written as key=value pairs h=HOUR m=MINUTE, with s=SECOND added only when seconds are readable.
h=1 m=54
